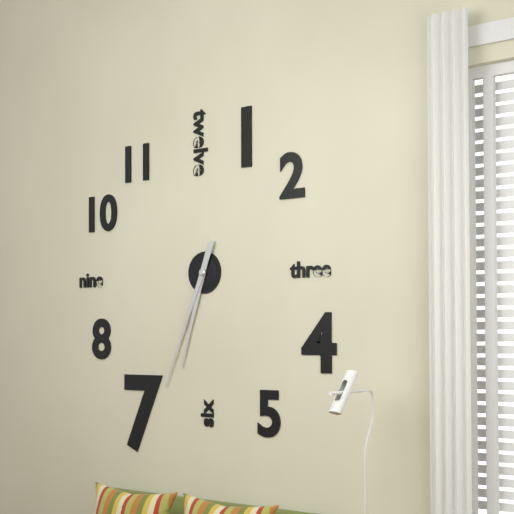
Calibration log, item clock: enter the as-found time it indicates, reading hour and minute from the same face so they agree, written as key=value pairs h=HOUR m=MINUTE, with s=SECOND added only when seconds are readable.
h=6 m=34
